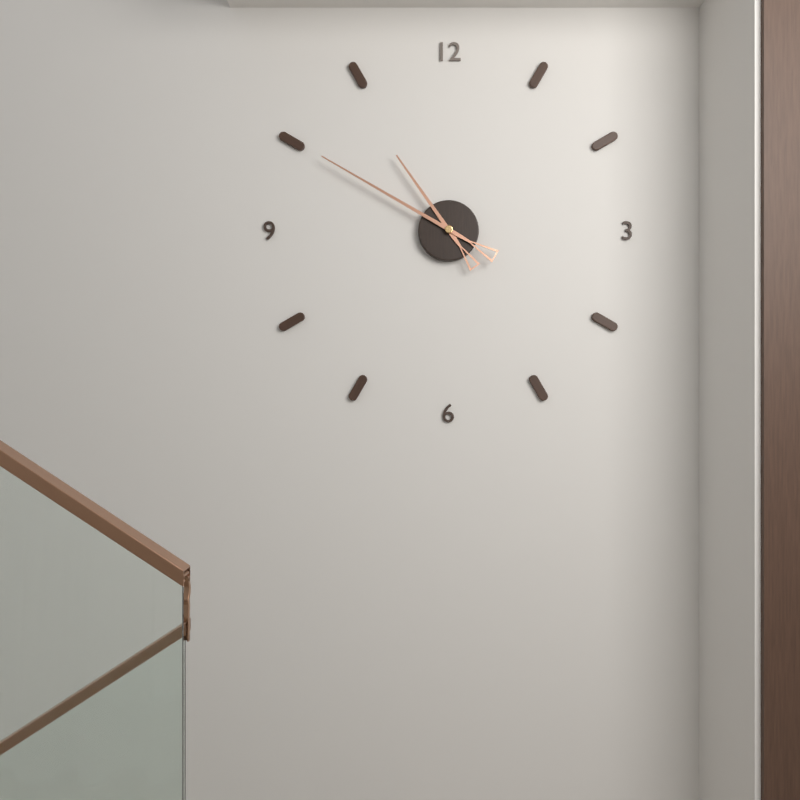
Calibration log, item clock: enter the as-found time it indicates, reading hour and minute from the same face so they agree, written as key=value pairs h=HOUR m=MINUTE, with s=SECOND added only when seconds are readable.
h=10 m=50
